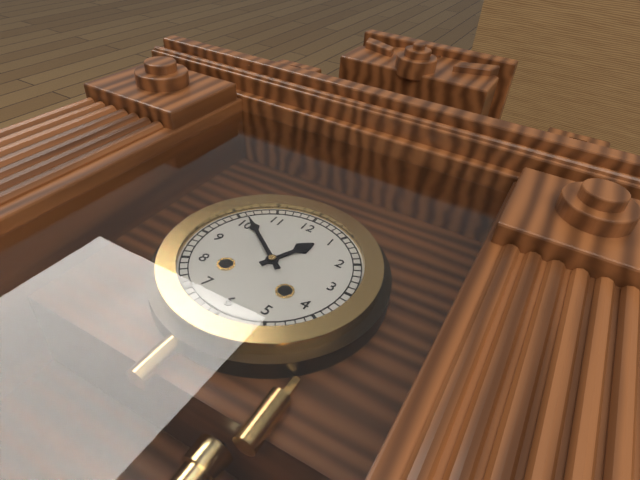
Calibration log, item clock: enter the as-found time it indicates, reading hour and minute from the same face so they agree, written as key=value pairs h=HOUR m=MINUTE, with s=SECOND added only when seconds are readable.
h=12 m=51
